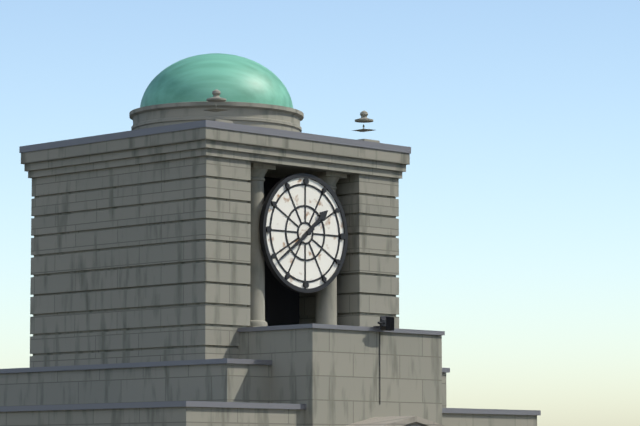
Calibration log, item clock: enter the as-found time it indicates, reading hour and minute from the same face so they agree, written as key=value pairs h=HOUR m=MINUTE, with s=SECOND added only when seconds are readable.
h=1 m=39
